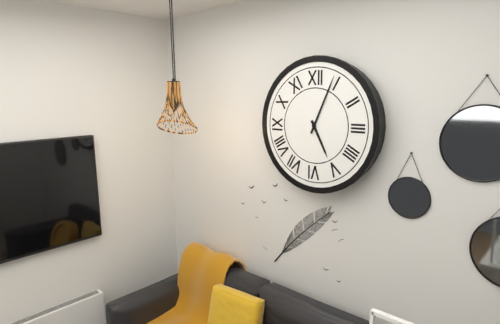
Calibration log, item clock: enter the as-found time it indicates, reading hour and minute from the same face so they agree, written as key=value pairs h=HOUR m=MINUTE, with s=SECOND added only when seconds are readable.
h=5 m=4
